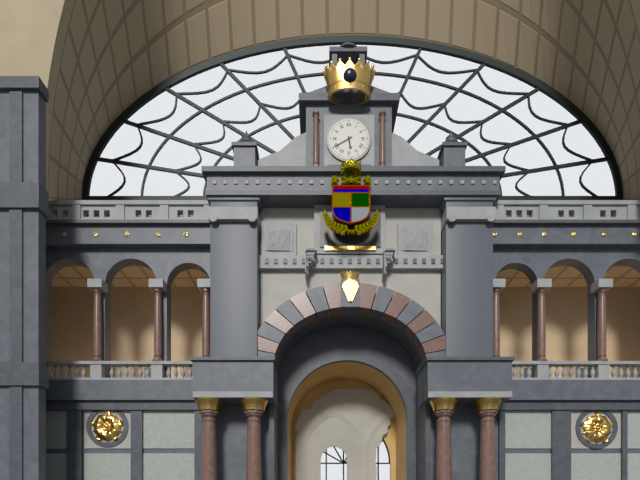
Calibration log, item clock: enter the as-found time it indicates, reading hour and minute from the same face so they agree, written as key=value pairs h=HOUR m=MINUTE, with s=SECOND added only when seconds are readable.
h=5 m=40
